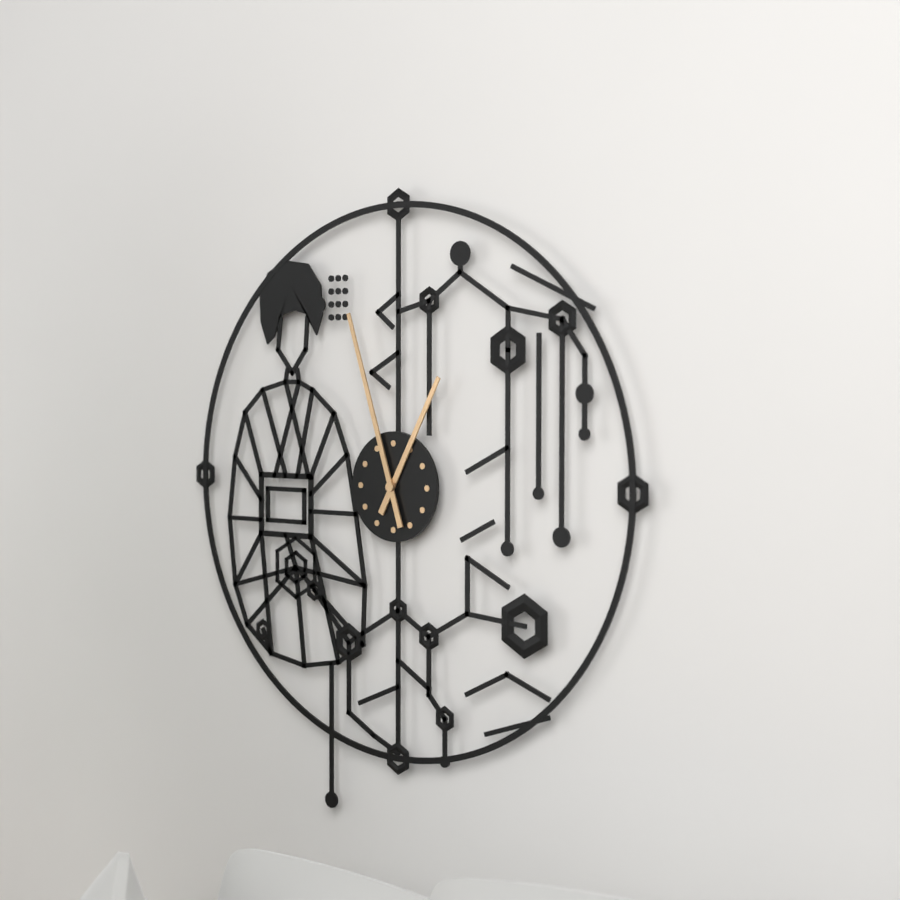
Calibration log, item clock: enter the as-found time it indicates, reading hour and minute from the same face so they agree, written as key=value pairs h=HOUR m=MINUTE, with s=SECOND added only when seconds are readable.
h=12 m=57
